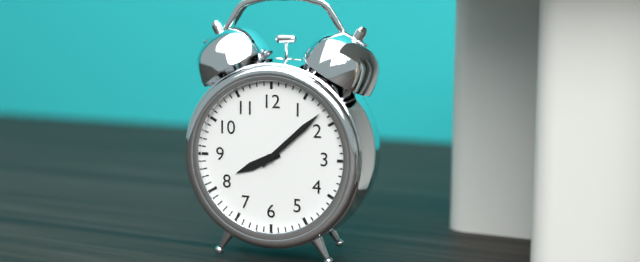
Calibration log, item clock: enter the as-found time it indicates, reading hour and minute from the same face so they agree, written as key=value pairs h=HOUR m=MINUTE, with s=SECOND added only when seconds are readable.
h=8 m=8
